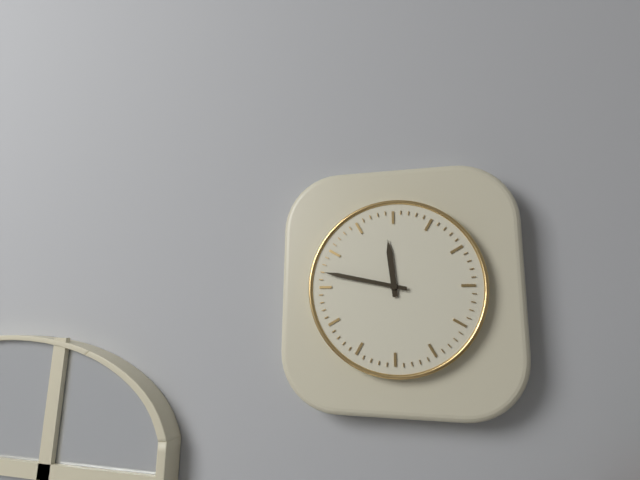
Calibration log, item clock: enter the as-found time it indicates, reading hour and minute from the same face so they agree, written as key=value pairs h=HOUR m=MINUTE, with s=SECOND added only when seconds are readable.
h=11 m=47
